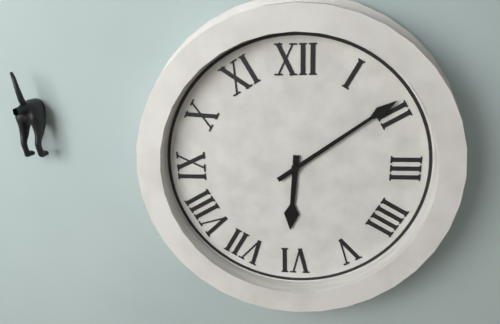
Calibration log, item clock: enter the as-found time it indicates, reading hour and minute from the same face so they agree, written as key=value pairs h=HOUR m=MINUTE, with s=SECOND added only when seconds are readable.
h=6 m=9
